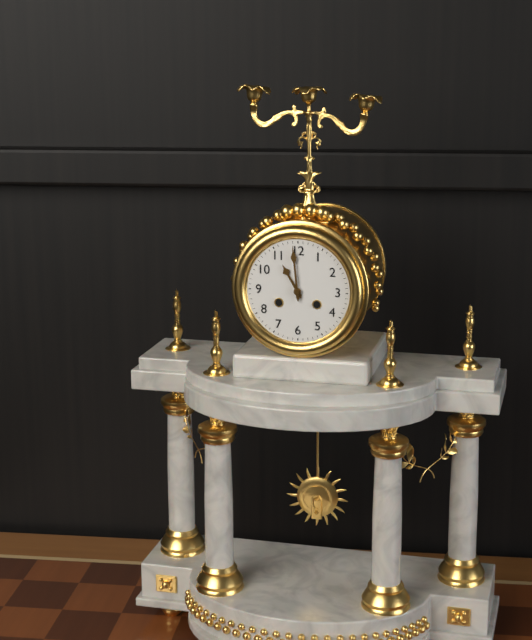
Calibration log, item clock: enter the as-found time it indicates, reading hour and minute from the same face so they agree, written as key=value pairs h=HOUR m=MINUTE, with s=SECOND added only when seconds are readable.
h=10 m=59
